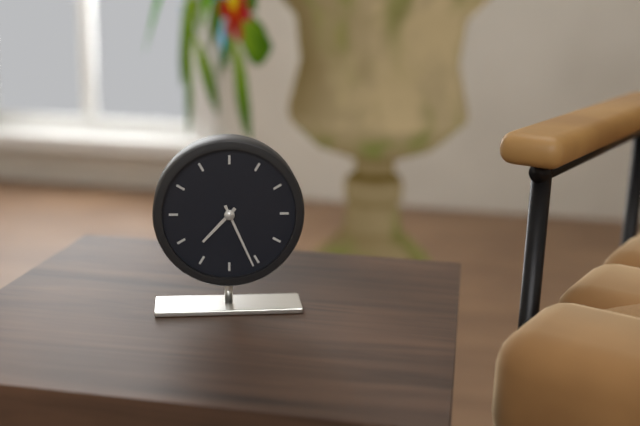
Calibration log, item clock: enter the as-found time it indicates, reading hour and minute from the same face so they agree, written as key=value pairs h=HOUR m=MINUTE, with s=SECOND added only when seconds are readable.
h=7 m=26
